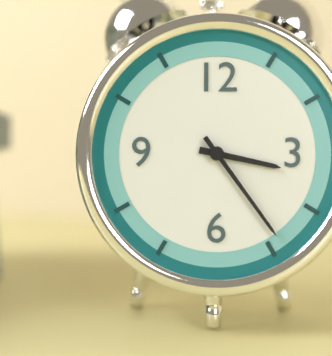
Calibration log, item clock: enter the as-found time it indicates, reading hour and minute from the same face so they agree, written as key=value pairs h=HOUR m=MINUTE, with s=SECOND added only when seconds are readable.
h=3 m=24
